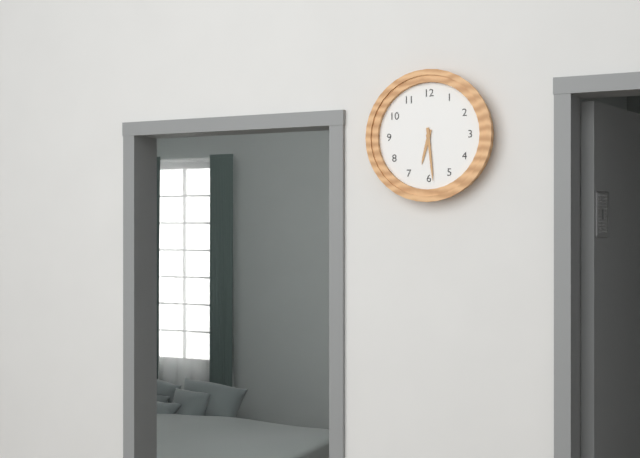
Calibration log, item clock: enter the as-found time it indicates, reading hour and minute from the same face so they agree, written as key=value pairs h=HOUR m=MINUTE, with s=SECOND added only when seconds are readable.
h=6 m=29
